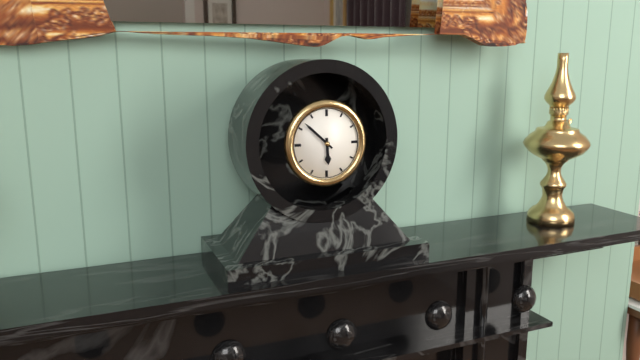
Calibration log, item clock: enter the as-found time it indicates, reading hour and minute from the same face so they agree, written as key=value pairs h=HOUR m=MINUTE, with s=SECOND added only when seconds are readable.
h=5 m=52
